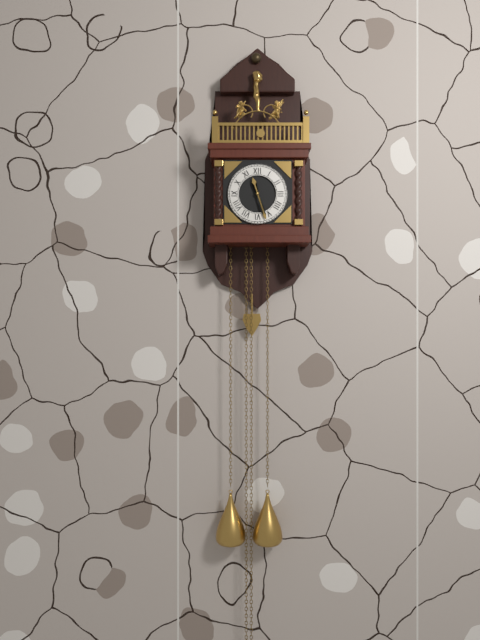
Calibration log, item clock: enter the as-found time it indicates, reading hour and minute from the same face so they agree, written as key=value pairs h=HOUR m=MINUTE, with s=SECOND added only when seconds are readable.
h=11 m=27
